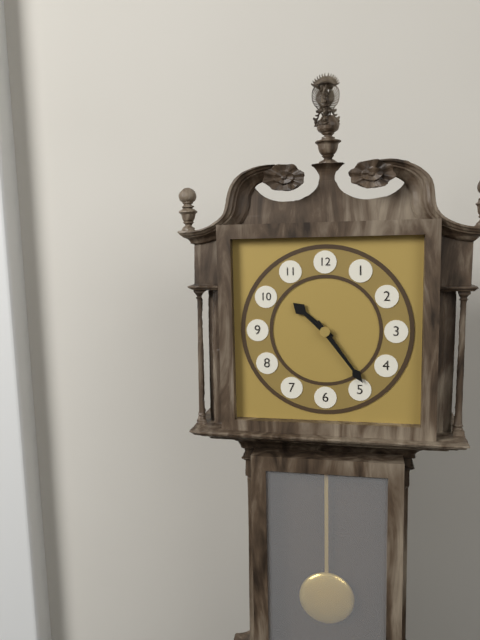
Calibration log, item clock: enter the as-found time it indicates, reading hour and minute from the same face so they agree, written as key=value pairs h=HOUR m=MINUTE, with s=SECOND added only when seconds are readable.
h=10 m=24
